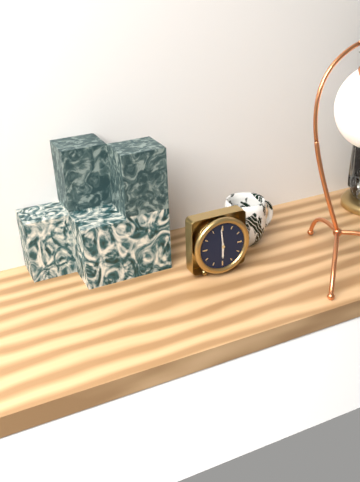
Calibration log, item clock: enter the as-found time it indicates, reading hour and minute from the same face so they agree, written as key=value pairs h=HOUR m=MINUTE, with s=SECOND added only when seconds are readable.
h=5 m=59
